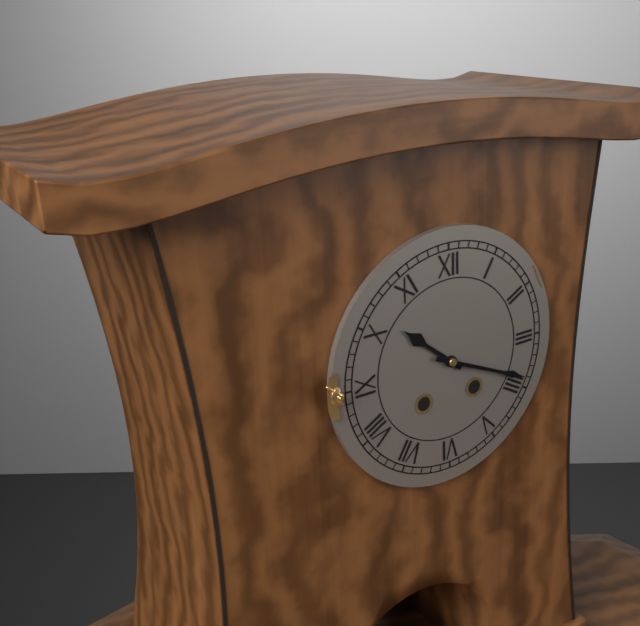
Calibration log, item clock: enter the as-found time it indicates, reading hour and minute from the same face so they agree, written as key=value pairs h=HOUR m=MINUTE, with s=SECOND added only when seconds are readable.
h=10 m=19
